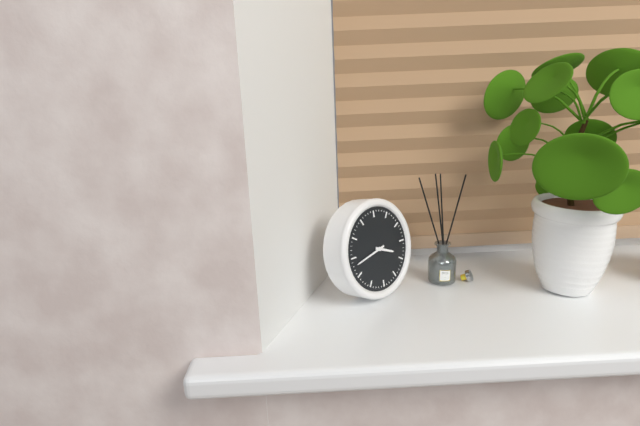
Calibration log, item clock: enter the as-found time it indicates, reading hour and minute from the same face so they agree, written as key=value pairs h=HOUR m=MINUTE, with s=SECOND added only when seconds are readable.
h=3 m=43
